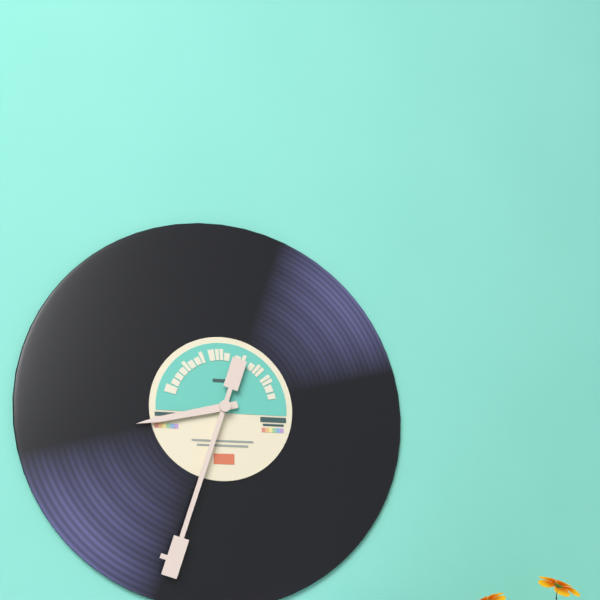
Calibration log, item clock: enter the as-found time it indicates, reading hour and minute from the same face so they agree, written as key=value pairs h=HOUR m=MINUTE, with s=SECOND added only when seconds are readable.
h=8 m=33
